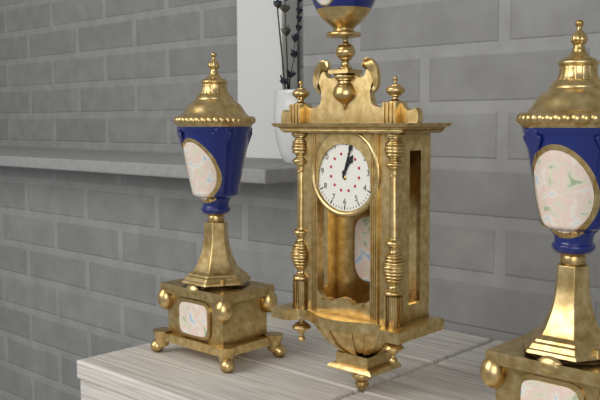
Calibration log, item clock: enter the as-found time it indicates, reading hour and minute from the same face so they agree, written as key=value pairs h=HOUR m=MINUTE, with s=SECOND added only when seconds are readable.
h=1 m=3
